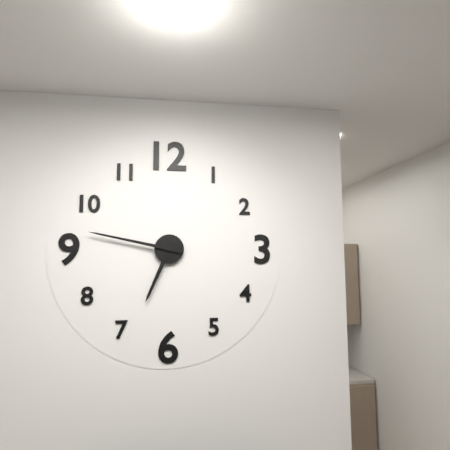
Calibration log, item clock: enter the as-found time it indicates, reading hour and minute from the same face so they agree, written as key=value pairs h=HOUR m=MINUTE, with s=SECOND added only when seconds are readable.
h=6 m=47
